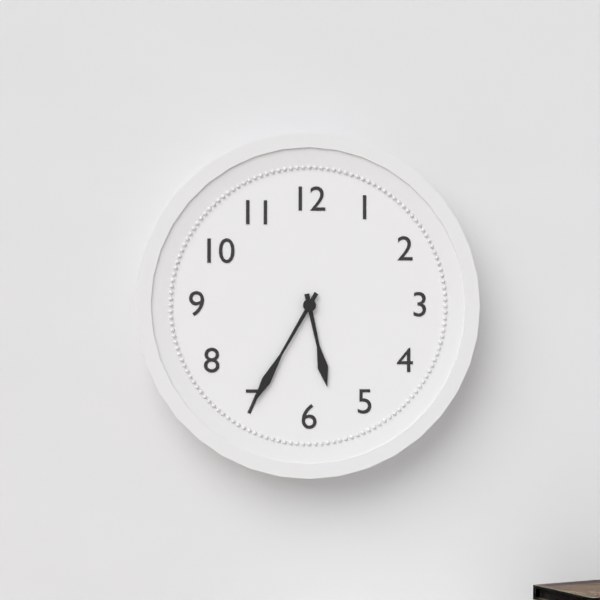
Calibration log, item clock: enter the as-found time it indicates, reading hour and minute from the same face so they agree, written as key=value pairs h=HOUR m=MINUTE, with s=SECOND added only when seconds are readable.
h=5 m=35
